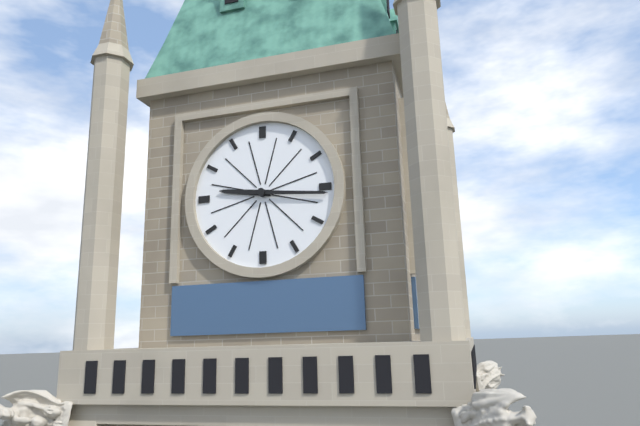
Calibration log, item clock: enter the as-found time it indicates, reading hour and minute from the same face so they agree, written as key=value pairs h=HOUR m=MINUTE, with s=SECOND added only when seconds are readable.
h=9 m=16
